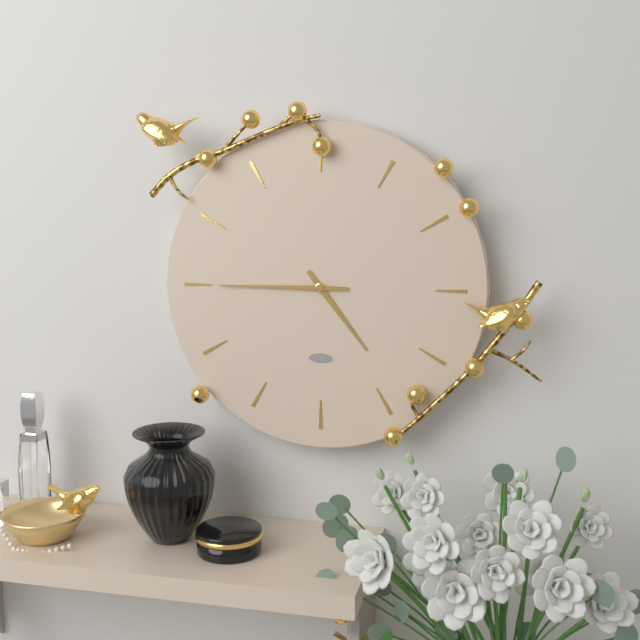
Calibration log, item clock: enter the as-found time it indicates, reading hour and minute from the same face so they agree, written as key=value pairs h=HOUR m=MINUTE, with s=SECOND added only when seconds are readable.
h=4 m=45
